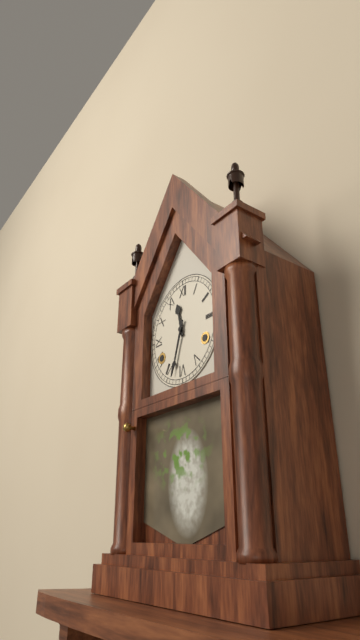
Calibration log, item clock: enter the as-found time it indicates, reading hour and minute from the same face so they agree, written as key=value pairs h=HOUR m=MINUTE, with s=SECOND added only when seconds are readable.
h=11 m=33
